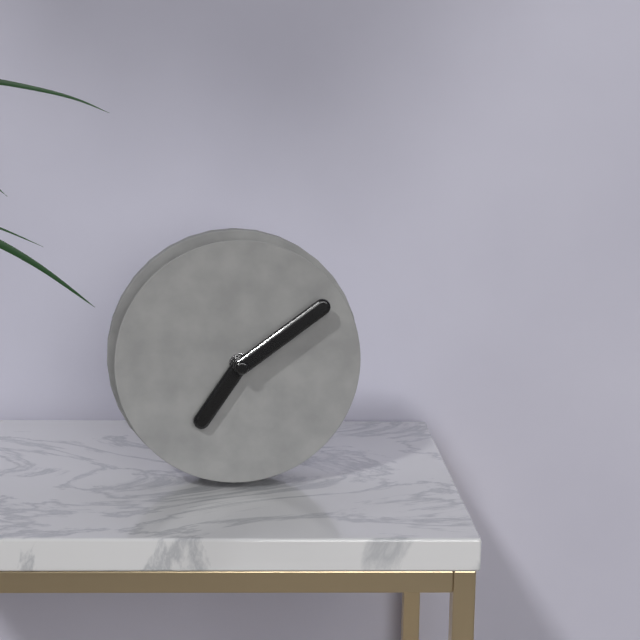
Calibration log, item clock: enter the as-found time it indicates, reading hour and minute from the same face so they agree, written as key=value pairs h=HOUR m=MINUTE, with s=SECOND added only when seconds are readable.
h=7 m=9
